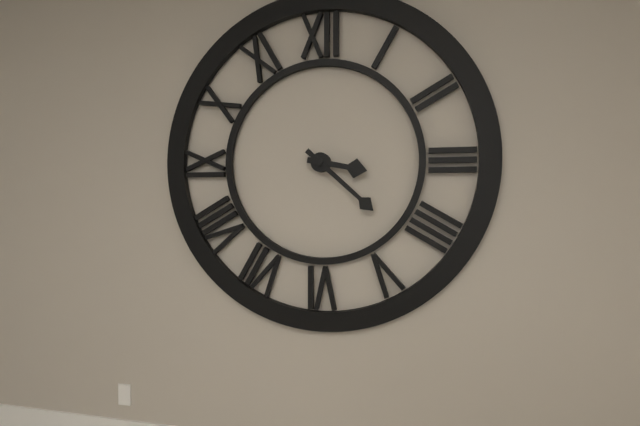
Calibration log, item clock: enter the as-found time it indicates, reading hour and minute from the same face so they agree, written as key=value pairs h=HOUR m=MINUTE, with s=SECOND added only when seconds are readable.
h=3 m=22
